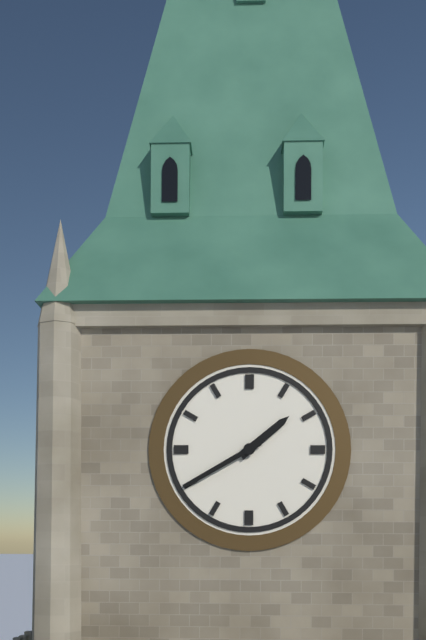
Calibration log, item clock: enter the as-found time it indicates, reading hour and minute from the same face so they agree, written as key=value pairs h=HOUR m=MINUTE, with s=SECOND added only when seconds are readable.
h=1 m=40
